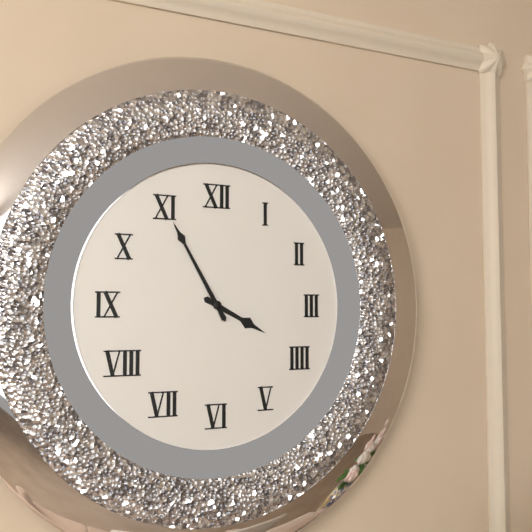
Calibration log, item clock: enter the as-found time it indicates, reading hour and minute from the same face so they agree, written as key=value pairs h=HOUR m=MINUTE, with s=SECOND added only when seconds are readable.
h=3 m=55
